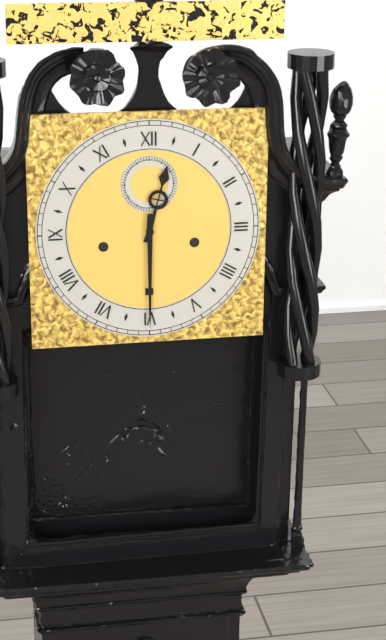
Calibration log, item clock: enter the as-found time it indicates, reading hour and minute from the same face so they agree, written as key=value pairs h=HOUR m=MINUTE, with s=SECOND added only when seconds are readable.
h=12 m=30
